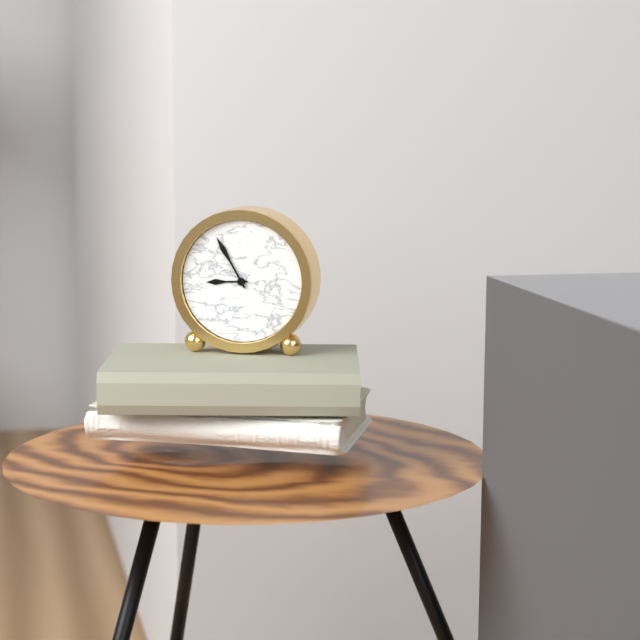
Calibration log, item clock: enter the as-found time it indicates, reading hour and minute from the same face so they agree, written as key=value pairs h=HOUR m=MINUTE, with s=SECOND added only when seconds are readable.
h=8 m=55
